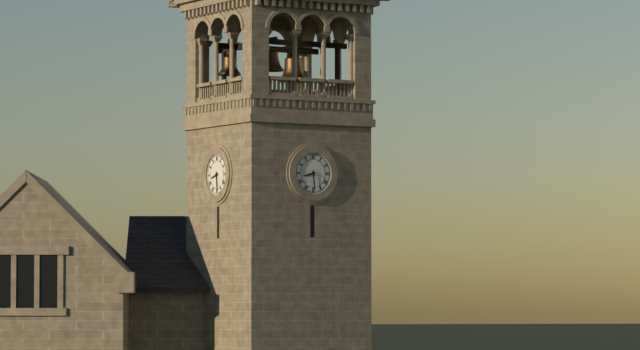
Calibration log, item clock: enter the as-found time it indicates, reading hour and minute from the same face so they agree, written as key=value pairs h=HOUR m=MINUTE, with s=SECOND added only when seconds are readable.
h=8 m=29
